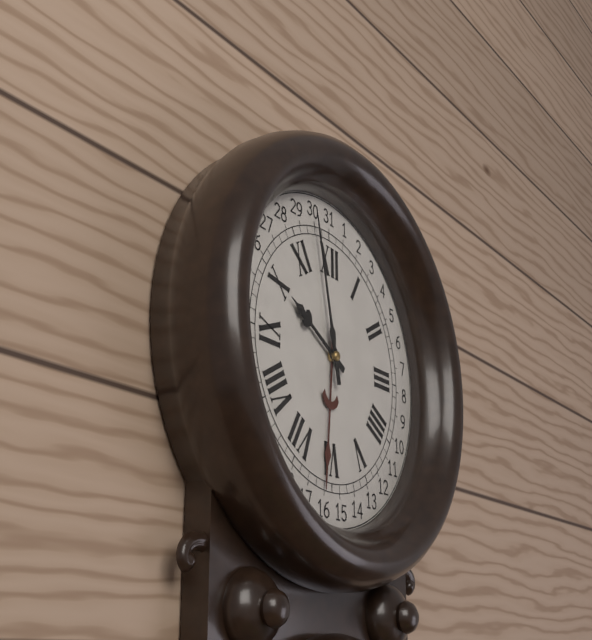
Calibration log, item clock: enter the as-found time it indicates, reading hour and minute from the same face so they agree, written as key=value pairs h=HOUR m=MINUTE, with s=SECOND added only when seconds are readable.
h=9 m=58
